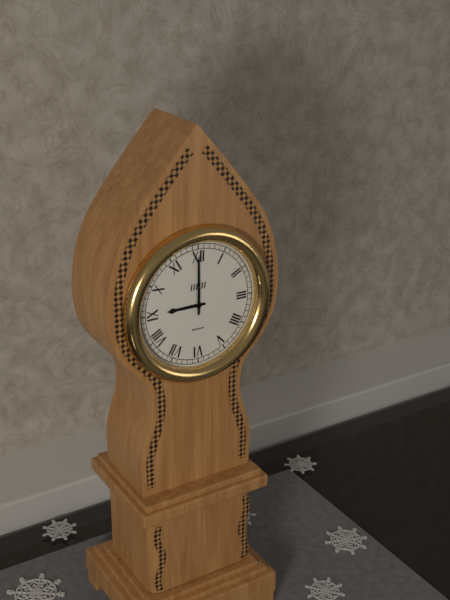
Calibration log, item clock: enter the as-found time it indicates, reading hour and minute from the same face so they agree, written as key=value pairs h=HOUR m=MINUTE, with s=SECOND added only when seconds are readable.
h=9 m=0
